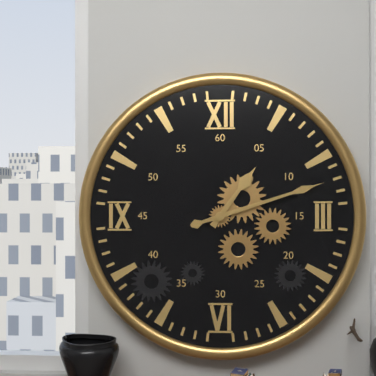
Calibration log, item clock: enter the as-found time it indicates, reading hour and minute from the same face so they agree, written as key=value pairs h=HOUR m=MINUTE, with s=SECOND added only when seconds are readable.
h=1 m=12
